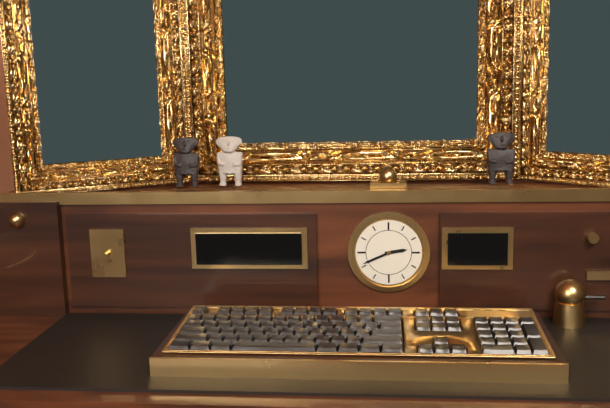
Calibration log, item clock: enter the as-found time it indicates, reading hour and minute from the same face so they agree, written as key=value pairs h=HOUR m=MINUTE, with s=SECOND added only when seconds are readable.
h=2 m=41
